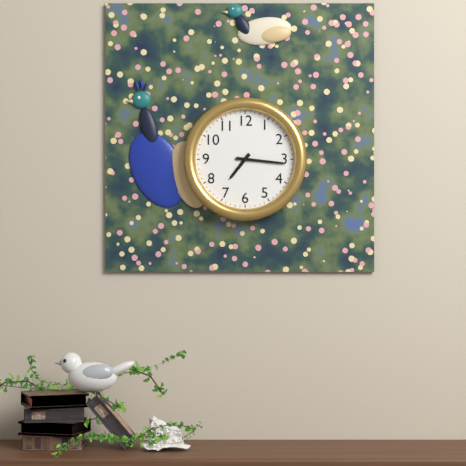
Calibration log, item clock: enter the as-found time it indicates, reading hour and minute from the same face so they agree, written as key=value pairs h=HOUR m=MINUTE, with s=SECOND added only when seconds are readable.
h=7 m=16
